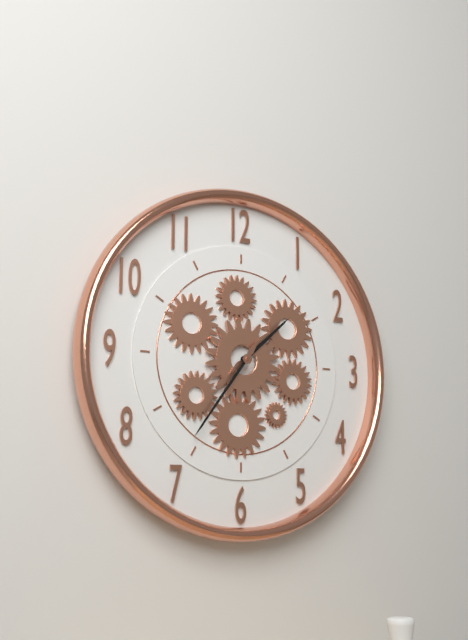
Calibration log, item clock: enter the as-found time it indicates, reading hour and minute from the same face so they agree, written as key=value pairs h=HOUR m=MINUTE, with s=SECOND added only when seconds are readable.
h=1 m=36
